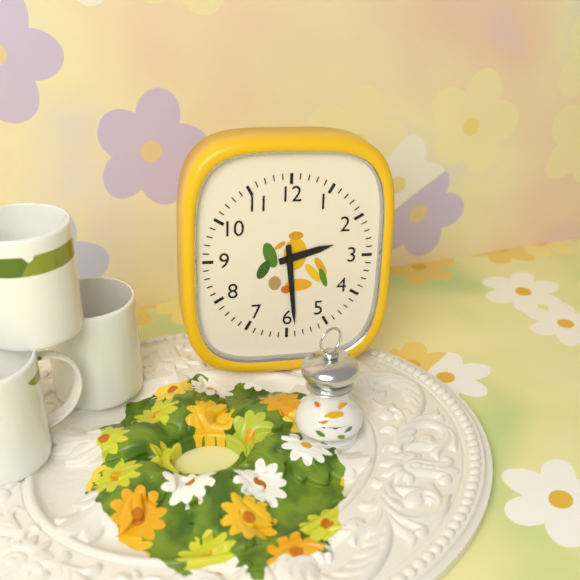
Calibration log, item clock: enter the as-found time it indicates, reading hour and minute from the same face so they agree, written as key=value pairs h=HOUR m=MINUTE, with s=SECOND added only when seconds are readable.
h=2 m=29
